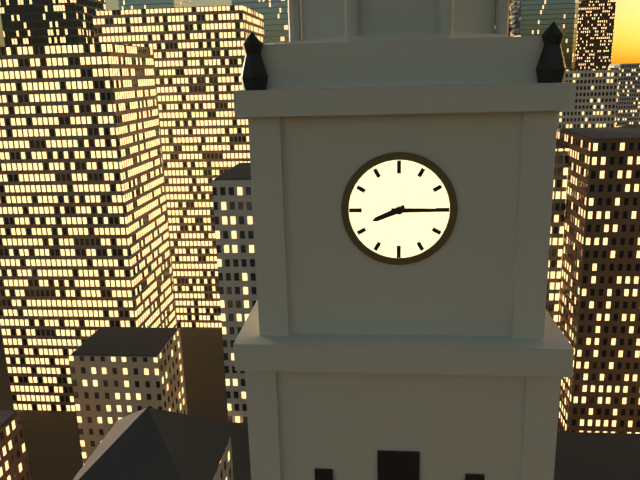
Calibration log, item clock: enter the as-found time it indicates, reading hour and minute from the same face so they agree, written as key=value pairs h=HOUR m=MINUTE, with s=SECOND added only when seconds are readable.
h=8 m=15
